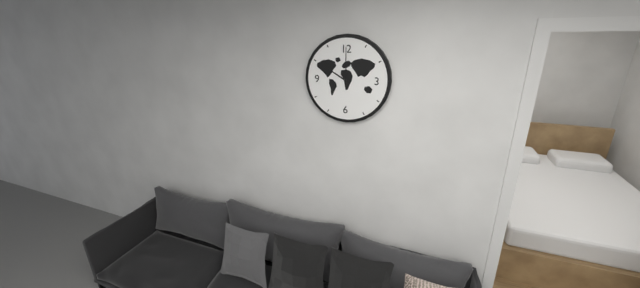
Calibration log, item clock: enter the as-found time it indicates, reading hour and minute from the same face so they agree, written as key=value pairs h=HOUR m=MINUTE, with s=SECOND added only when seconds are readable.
h=10 m=0
